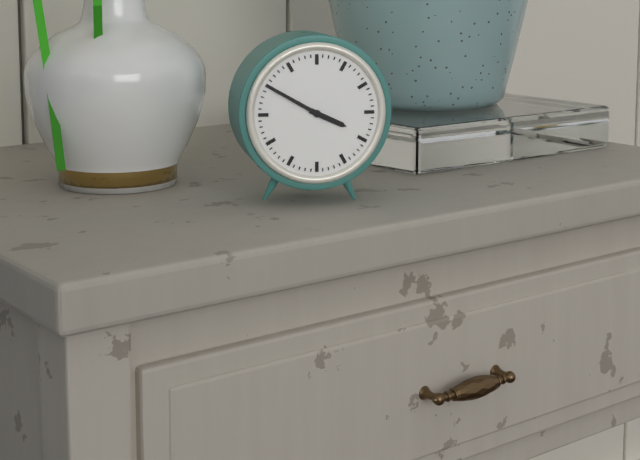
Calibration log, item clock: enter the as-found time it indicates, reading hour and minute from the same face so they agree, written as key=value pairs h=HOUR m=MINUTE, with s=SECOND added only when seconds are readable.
h=3 m=50
